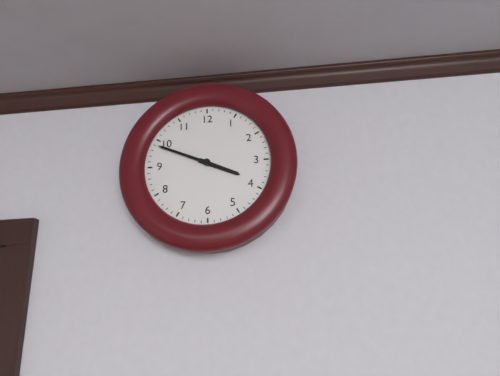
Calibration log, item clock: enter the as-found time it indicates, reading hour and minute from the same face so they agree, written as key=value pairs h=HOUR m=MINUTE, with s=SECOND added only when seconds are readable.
h=3 m=49
